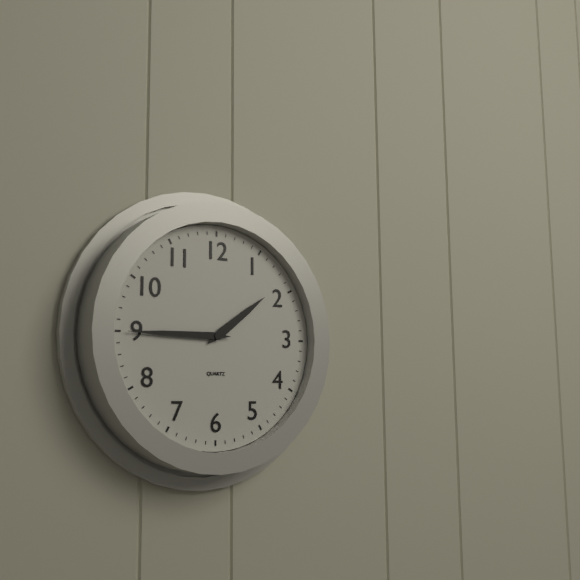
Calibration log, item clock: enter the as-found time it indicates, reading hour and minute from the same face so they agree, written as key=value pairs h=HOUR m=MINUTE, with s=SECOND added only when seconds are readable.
h=1 m=45
